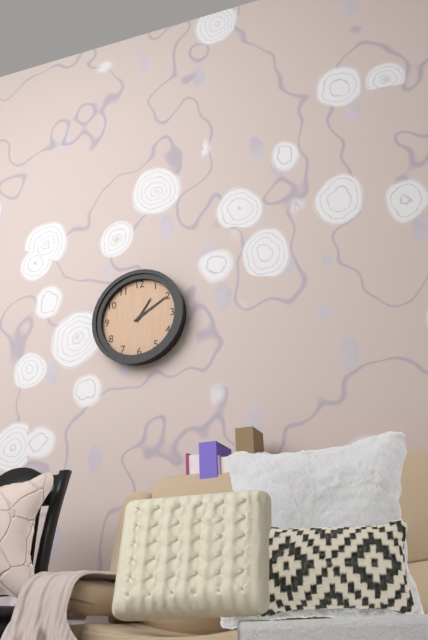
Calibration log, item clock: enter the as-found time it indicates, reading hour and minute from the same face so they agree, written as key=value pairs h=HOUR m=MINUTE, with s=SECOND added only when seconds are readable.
h=1 m=10
